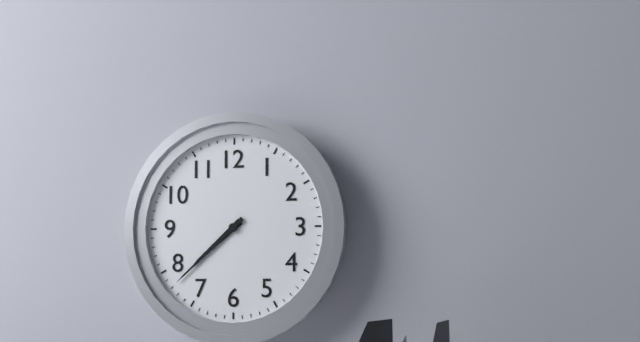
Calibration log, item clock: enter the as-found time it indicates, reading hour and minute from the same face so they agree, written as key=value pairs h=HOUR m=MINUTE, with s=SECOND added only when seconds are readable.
h=7 m=38
